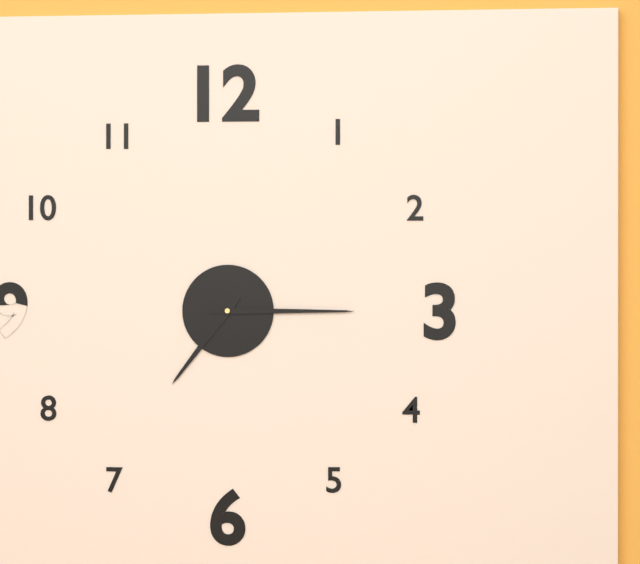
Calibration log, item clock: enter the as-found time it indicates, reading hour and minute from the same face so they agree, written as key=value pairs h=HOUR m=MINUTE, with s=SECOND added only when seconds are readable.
h=7 m=15
